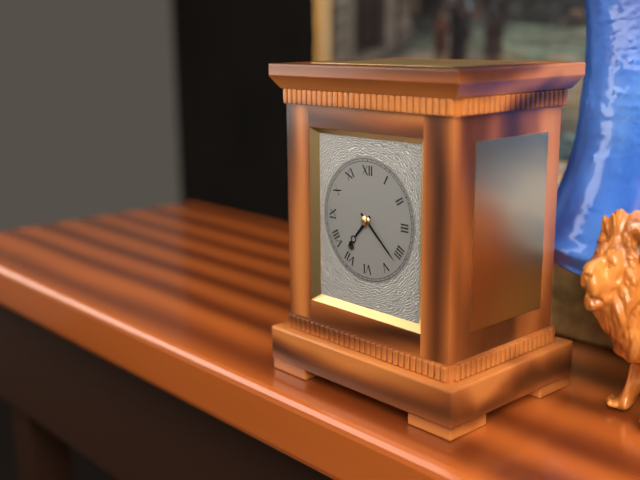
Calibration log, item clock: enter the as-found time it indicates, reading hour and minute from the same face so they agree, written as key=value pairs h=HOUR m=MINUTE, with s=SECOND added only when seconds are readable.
h=7 m=22
